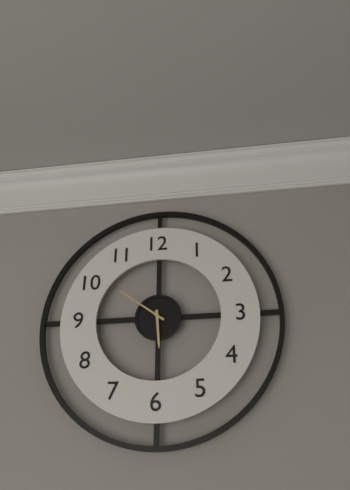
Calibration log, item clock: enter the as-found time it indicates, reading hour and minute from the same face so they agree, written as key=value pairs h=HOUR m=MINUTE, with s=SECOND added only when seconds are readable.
h=5 m=51
